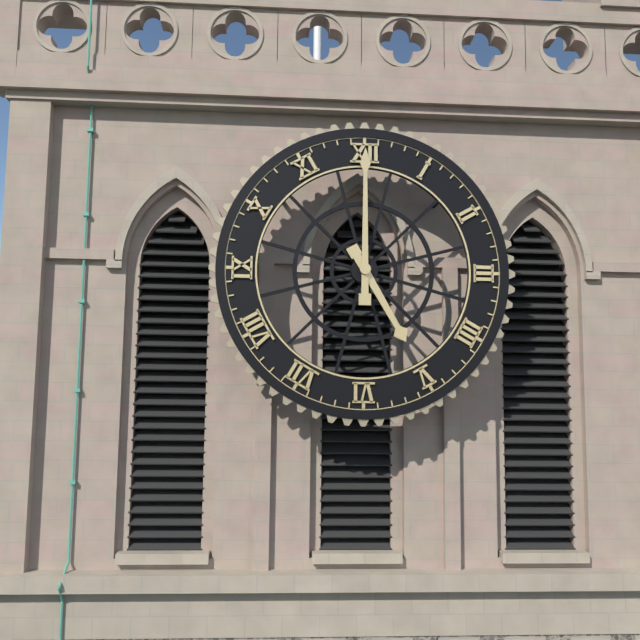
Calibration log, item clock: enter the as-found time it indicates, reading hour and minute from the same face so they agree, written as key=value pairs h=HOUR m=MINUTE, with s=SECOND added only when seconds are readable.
h=5 m=0
